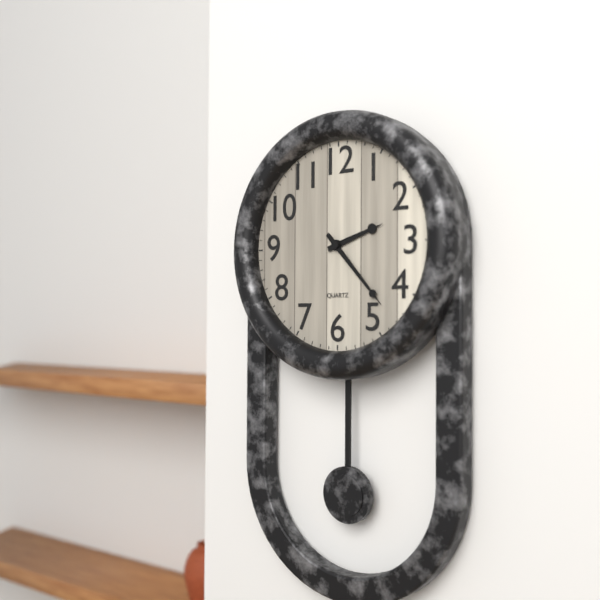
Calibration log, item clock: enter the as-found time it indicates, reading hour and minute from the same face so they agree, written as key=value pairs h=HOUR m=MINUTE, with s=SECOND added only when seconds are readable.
h=2 m=23
